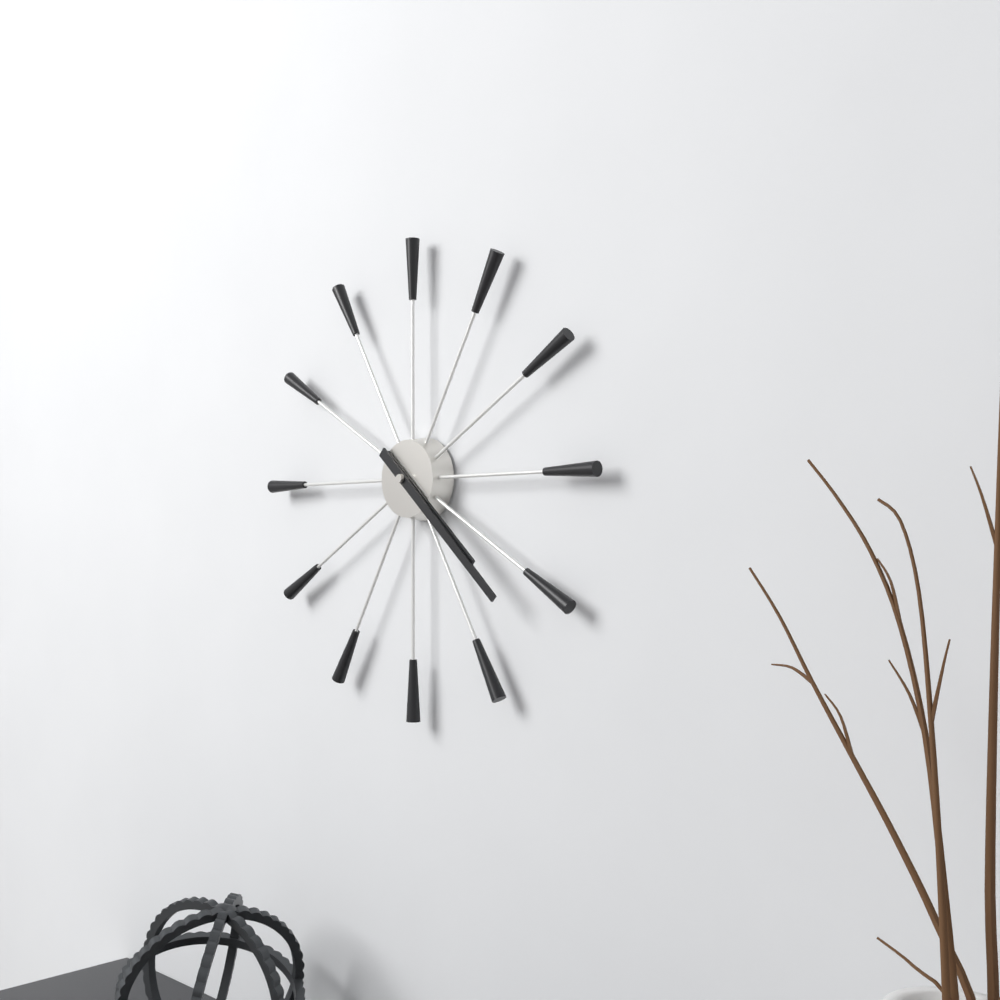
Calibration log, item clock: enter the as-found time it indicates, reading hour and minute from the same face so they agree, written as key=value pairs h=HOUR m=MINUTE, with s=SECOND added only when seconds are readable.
h=4 m=22
